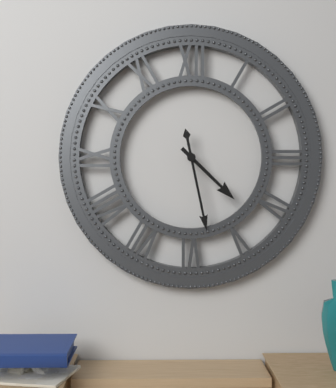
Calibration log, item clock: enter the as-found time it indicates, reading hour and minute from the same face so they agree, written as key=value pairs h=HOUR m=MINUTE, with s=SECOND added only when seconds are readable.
h=4 m=28
